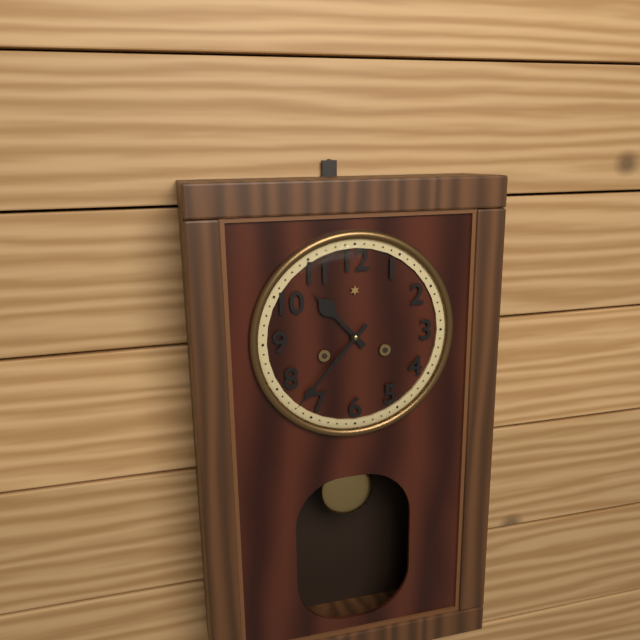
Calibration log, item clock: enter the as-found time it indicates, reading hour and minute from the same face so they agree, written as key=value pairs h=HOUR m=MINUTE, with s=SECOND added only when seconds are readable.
h=10 m=37
